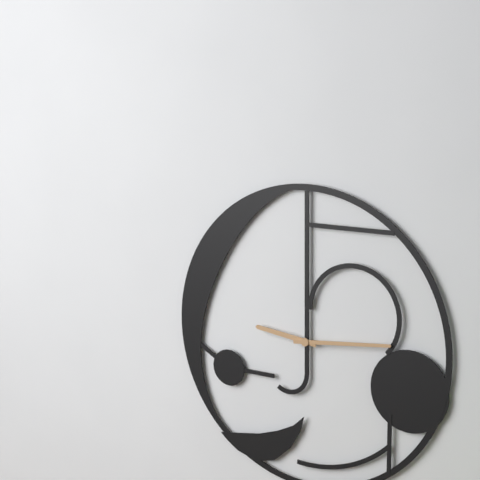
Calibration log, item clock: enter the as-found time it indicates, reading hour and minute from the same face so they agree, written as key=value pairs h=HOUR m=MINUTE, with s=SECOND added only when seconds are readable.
h=9 m=14
